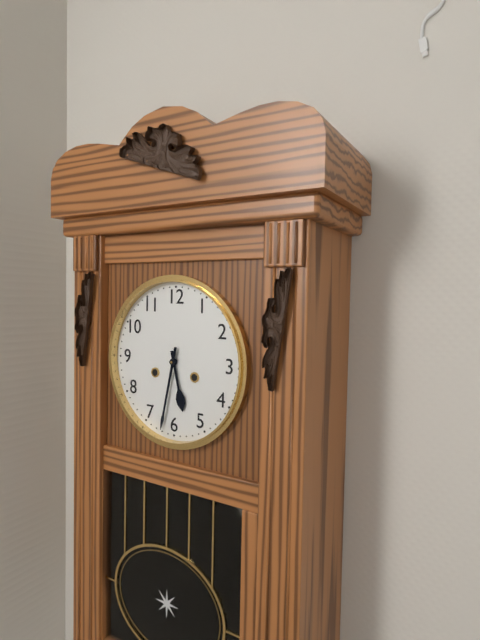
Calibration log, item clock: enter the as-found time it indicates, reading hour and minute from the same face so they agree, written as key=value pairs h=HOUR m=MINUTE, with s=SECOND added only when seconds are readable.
h=5 m=32
